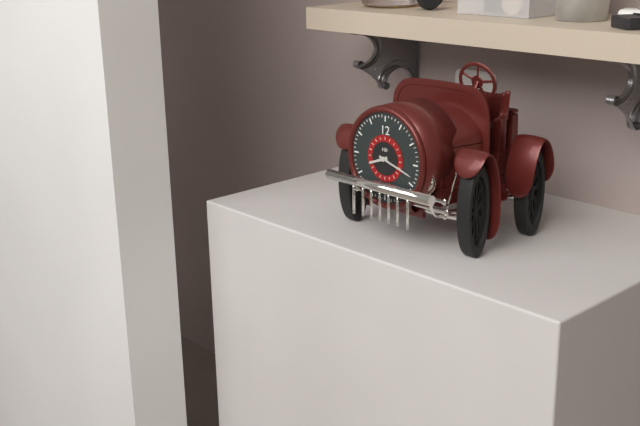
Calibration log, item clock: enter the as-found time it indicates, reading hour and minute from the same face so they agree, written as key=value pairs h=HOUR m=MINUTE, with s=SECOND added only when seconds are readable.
h=8 m=18
